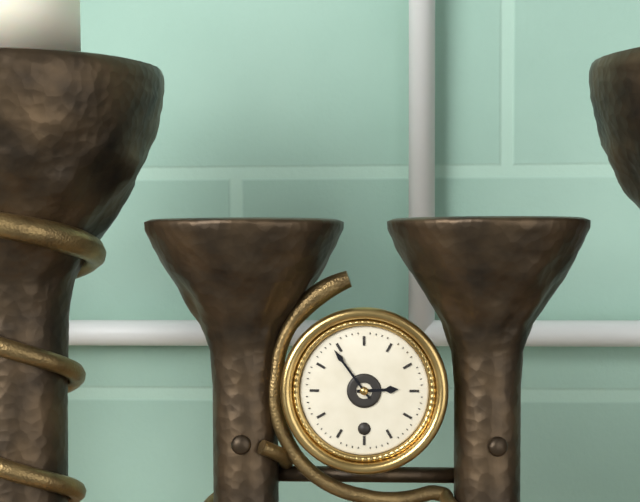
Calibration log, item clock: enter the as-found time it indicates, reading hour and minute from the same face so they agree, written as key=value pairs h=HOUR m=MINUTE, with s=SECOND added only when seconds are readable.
h=2 m=54
